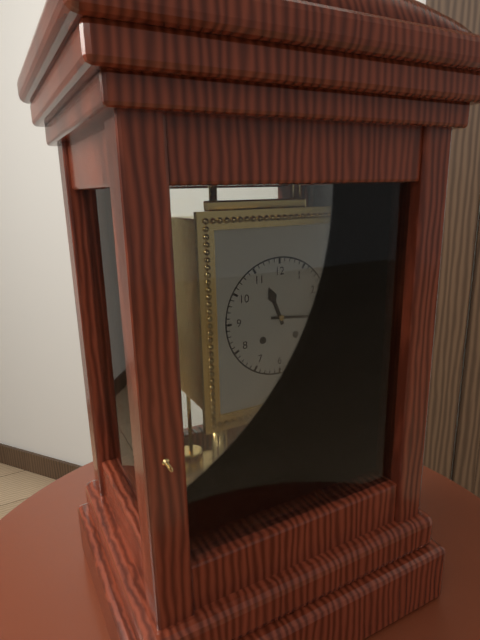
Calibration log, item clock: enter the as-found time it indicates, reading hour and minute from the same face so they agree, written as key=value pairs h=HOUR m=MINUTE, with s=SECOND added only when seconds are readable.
h=11 m=16
